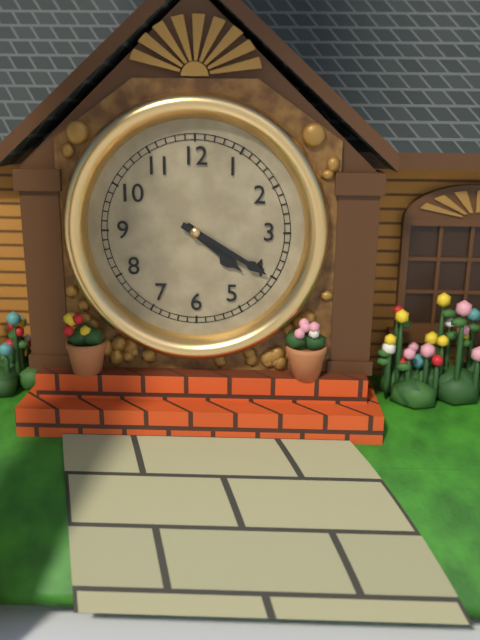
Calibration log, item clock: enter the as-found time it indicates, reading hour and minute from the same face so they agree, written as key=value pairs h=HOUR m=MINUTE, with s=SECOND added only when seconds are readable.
h=4 m=20
